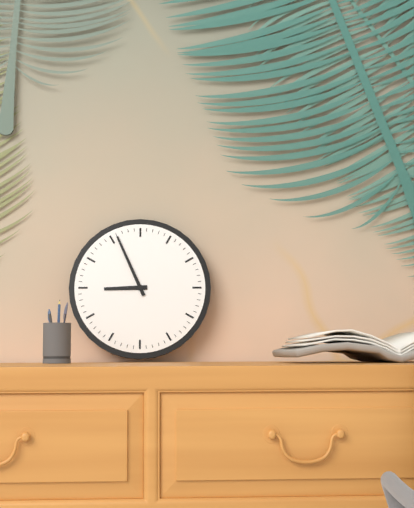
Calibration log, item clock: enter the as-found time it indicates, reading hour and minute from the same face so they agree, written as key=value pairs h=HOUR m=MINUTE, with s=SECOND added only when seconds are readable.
h=8 m=56
